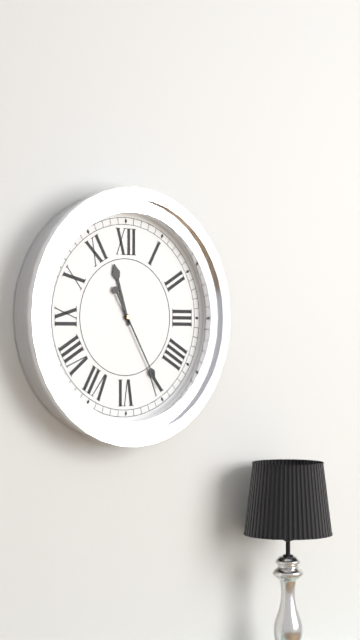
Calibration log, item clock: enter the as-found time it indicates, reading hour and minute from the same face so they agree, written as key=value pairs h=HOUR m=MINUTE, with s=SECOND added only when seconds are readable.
h=11 m=25
